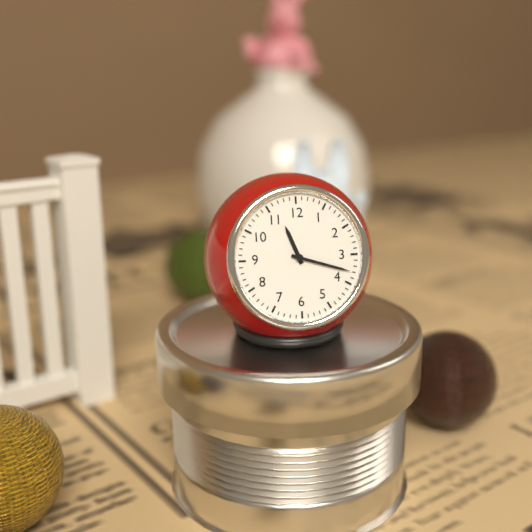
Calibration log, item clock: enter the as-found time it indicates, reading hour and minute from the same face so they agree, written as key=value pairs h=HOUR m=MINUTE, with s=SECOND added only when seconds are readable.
h=11 m=18
